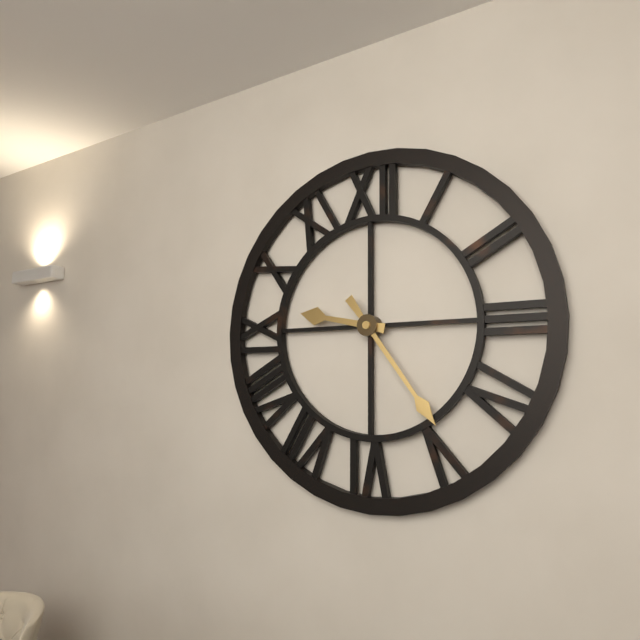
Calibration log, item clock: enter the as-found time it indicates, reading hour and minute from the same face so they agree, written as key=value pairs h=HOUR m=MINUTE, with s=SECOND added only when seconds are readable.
h=9 m=24
